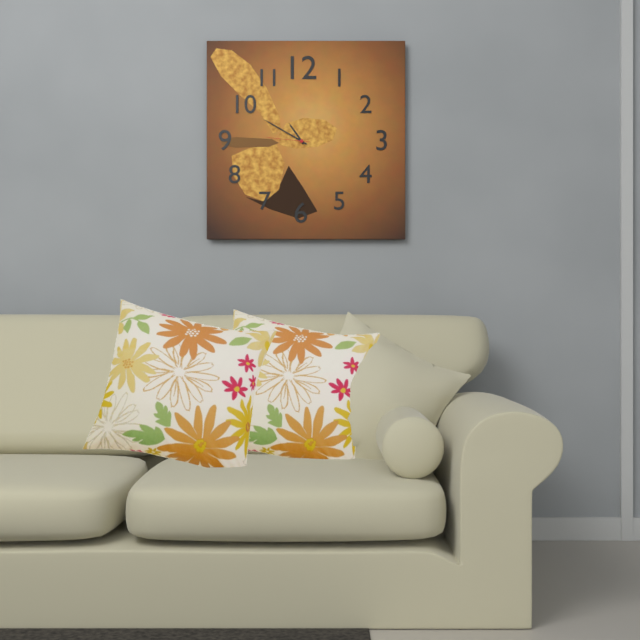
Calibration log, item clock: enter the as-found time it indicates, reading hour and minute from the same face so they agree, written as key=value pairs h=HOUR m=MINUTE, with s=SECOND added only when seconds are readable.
h=10 m=50
